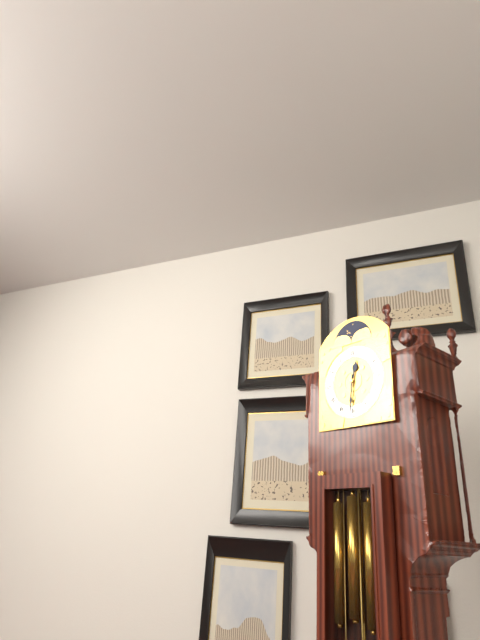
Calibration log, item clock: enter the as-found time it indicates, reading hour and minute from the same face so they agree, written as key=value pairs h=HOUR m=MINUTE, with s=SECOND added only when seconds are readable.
h=12 m=31
